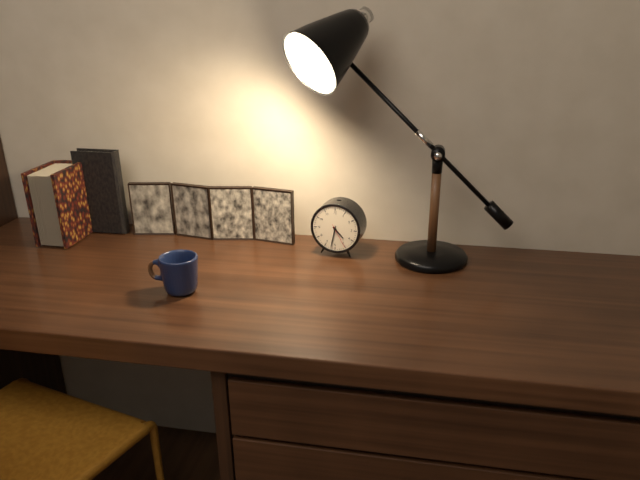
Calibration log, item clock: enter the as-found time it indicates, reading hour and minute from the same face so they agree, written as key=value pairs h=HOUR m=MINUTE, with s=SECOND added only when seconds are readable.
h=4 m=32
